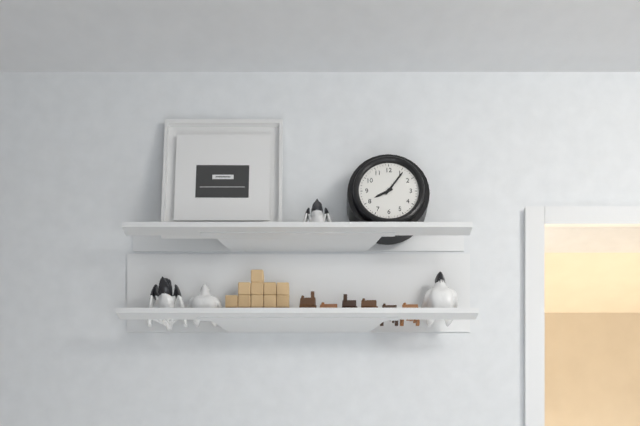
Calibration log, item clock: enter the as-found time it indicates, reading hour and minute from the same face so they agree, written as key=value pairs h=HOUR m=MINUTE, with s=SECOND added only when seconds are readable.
h=8 m=6
